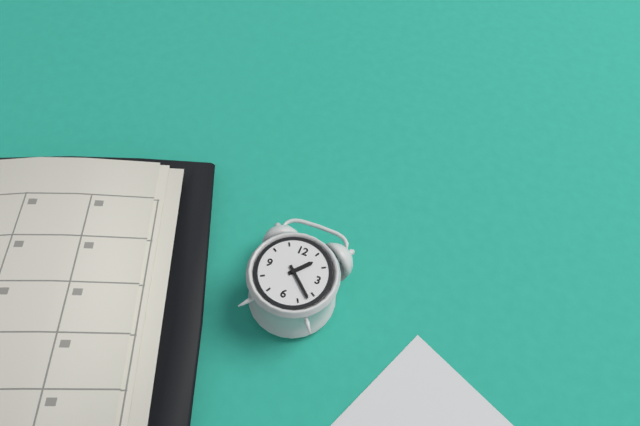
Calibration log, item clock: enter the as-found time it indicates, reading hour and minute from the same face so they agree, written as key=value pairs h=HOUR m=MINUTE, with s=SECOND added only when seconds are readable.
h=1 m=22
